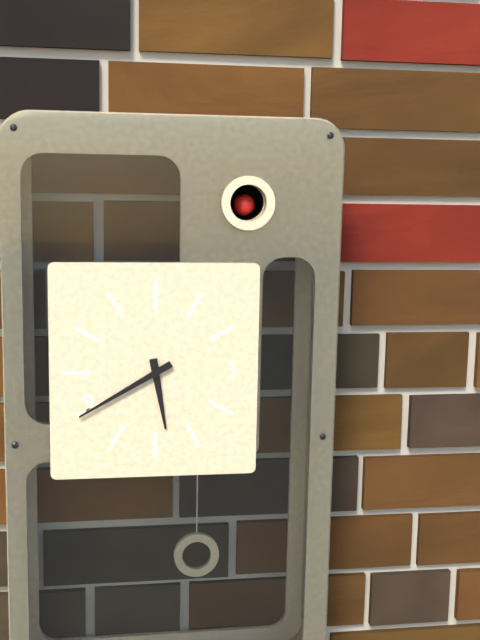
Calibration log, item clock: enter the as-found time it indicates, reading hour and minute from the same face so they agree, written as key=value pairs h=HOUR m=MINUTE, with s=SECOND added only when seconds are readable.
h=5 m=40
